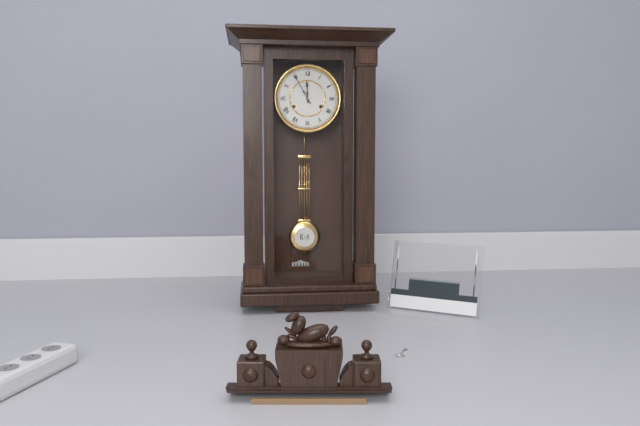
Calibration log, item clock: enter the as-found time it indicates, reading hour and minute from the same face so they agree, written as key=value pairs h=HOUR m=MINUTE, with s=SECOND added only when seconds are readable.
h=11 m=55
